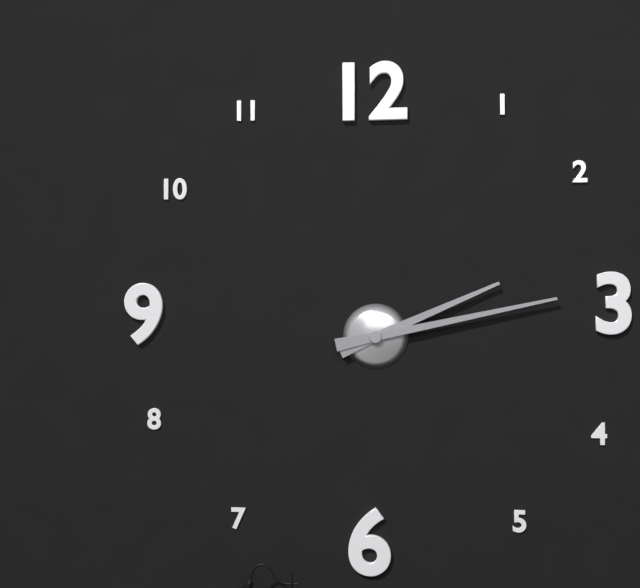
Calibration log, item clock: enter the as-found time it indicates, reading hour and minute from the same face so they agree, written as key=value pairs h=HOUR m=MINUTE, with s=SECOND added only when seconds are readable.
h=2 m=13
